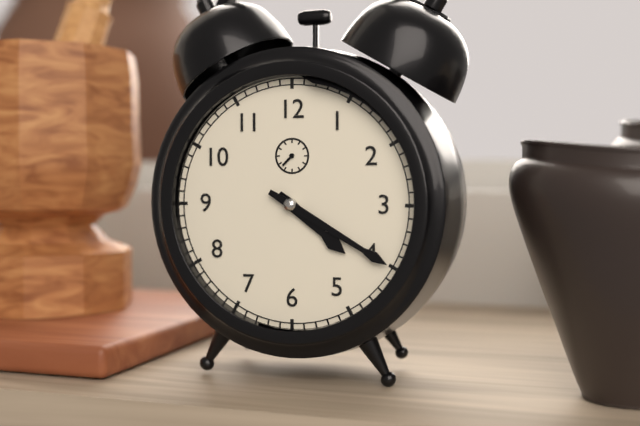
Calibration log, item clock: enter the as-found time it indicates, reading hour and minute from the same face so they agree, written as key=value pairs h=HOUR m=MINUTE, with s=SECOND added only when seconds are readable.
h=4 m=20
